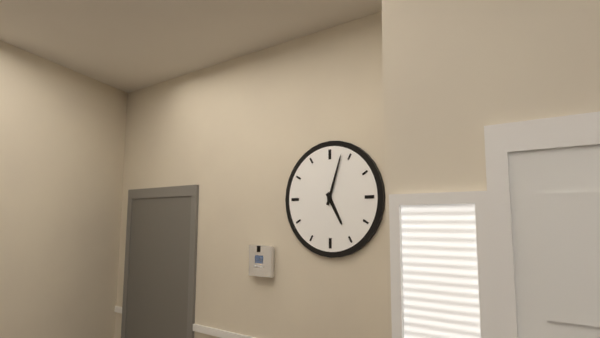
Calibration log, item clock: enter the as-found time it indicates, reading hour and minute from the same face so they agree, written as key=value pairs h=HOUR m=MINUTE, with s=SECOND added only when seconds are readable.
h=5 m=3
